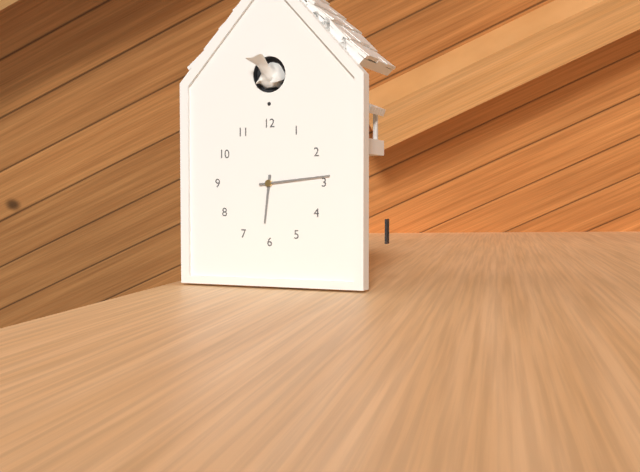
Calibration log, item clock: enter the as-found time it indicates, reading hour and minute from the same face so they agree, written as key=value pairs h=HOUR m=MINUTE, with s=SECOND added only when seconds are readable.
h=6 m=14
